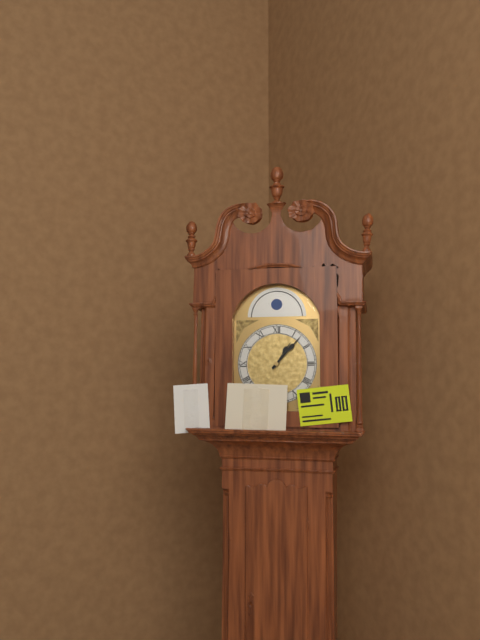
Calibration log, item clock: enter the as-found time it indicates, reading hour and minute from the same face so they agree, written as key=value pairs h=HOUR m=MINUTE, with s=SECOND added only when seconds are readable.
h=1 m=7
